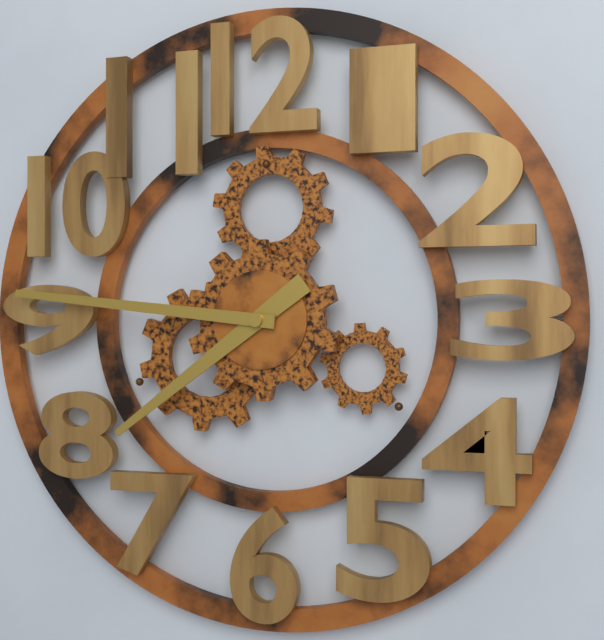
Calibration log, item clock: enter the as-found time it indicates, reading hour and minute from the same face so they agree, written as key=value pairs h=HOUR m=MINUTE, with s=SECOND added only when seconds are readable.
h=7 m=46
